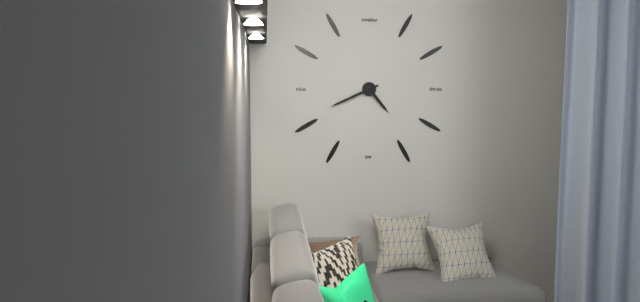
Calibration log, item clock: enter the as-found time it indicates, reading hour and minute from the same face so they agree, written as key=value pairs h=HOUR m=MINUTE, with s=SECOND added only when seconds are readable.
h=4 m=41
